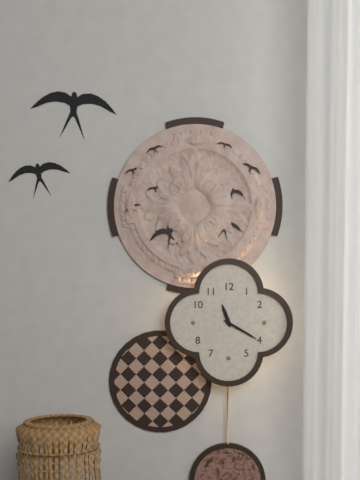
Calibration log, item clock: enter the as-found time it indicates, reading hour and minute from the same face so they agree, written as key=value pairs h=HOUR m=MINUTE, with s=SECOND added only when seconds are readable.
h=11 m=20
